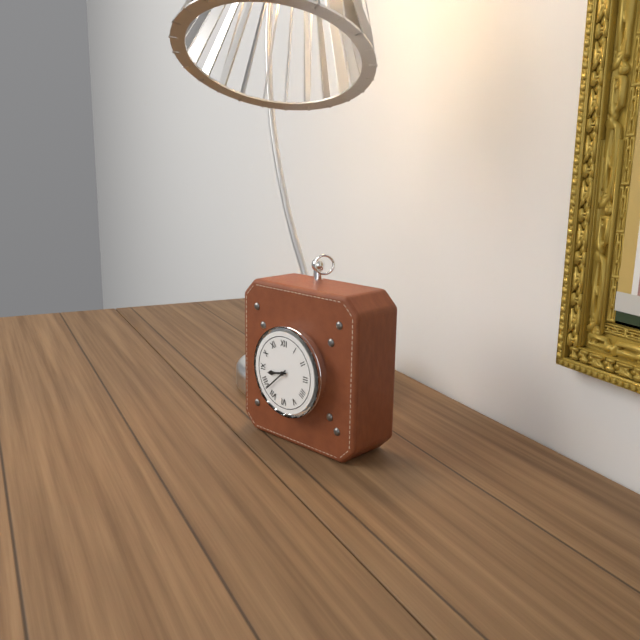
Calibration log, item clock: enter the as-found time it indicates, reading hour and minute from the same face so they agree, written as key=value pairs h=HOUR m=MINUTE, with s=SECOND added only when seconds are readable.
h=8 m=38
